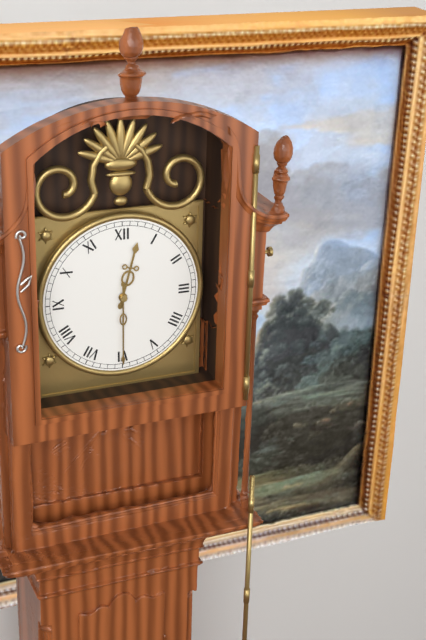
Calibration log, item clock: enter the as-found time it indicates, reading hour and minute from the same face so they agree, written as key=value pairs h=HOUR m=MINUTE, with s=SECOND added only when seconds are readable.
h=12 m=30
